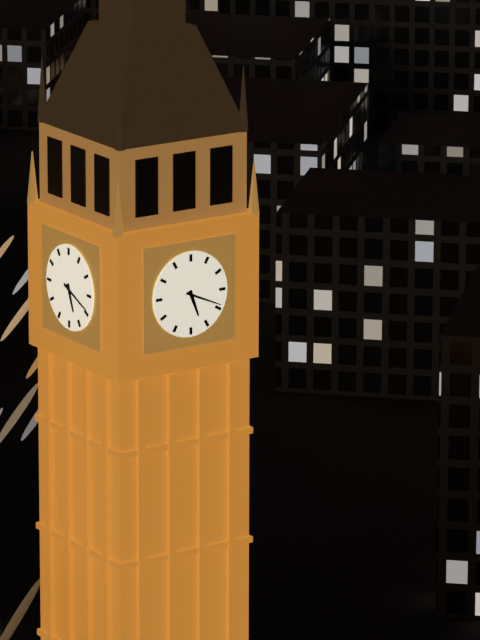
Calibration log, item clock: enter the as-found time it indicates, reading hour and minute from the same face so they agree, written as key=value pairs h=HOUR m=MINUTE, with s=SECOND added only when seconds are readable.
h=5 m=19
